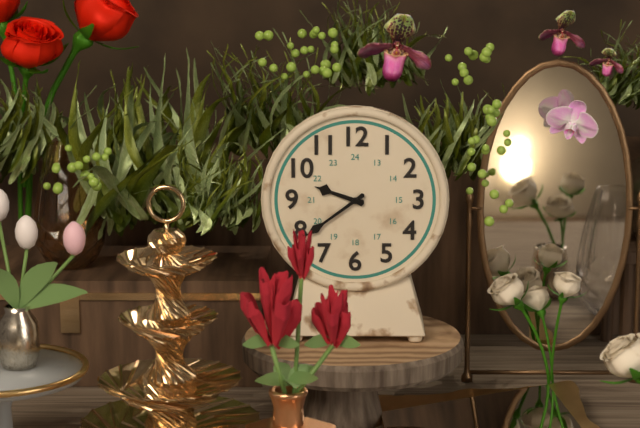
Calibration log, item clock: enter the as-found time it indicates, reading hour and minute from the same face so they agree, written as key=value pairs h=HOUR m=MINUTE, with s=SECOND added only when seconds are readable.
h=9 m=39
